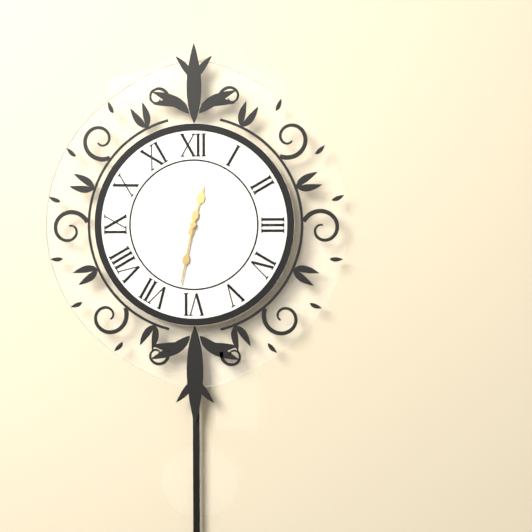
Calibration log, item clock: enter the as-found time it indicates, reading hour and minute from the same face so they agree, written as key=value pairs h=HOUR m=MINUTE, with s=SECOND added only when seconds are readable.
h=12 m=32
